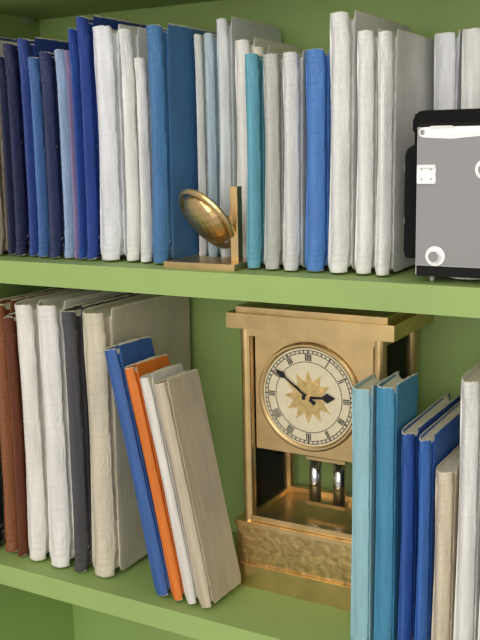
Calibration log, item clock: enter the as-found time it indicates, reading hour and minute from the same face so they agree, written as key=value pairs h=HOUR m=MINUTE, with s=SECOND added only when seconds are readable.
h=2 m=51
